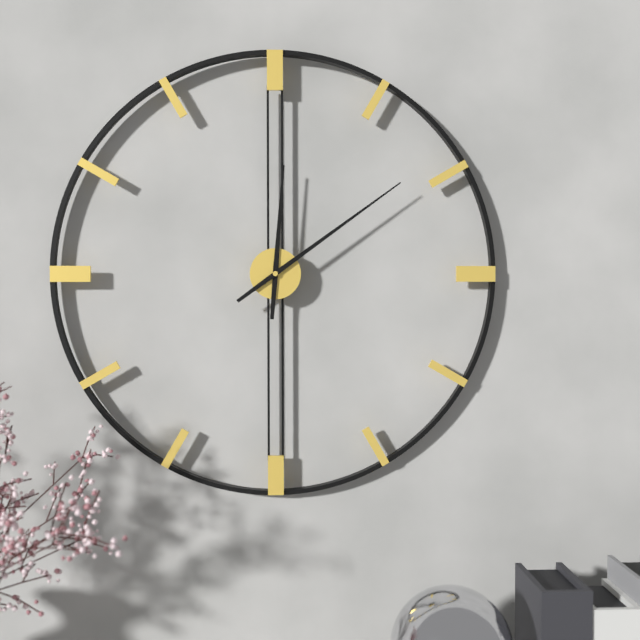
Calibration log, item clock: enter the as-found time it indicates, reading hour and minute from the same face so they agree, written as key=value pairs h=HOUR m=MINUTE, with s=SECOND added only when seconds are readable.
h=12 m=9
